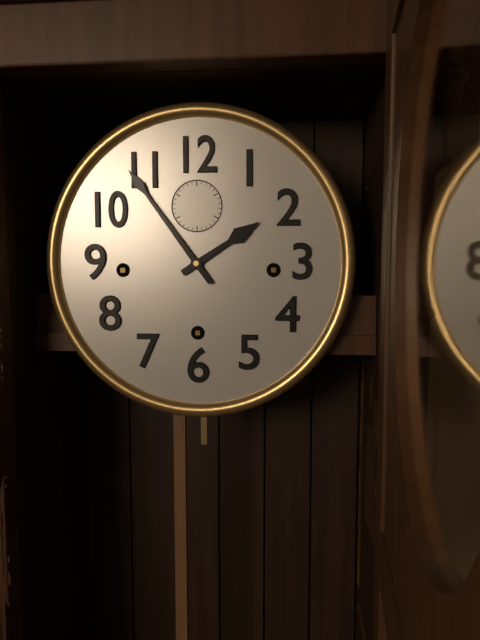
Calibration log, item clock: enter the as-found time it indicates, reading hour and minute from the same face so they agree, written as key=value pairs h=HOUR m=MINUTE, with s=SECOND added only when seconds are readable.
h=1 m=54
